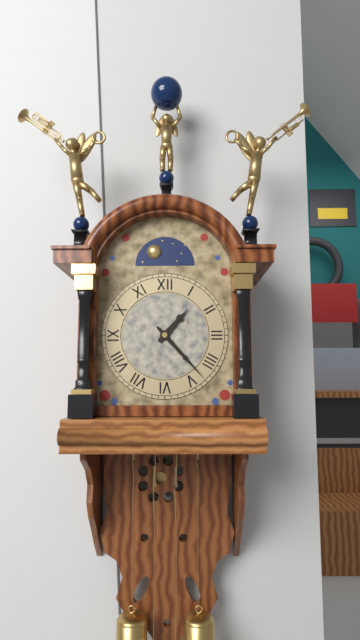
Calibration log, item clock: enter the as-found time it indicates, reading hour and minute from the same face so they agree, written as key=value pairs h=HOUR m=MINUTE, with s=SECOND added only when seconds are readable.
h=1 m=23
